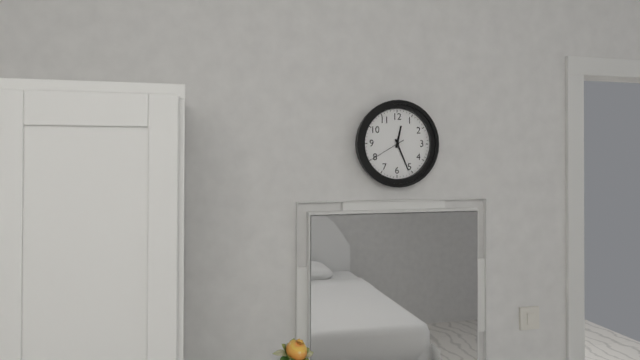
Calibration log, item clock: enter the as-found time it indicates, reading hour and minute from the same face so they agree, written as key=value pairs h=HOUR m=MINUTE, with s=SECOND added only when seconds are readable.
h=12 m=26
